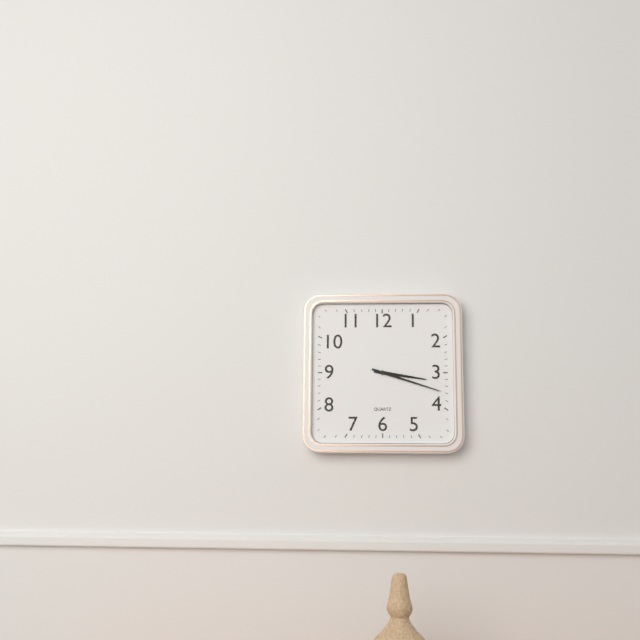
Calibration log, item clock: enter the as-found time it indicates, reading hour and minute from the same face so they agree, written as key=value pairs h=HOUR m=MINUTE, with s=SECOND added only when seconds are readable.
h=3 m=18
